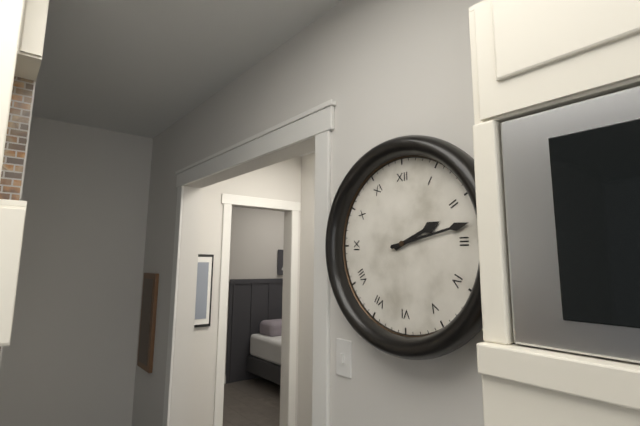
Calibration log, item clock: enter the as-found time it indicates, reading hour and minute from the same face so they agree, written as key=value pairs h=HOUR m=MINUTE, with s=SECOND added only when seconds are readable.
h=2 m=13
